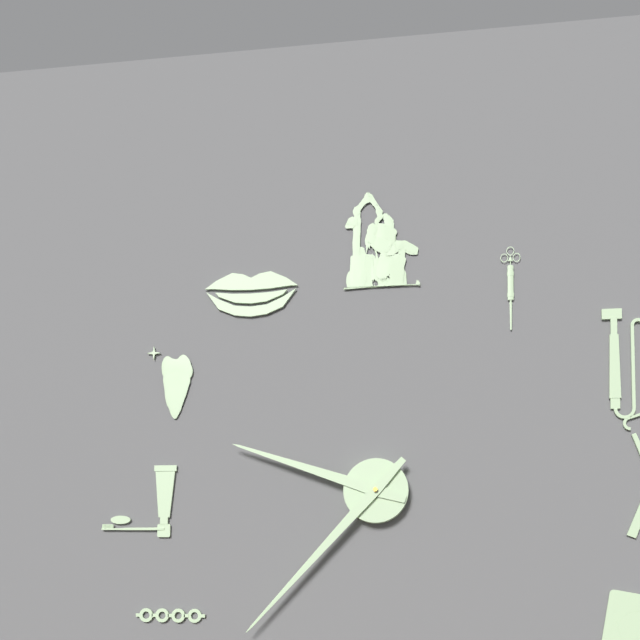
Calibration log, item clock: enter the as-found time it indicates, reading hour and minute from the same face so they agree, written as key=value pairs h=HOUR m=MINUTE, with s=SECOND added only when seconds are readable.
h=9 m=37
